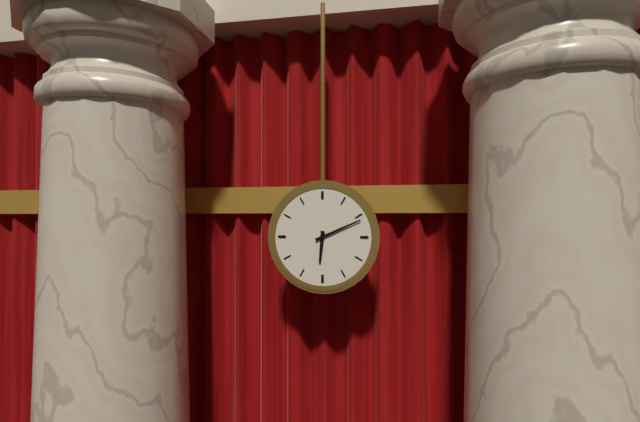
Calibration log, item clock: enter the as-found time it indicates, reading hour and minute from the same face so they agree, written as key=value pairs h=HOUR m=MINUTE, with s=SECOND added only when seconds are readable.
h=6 m=11
